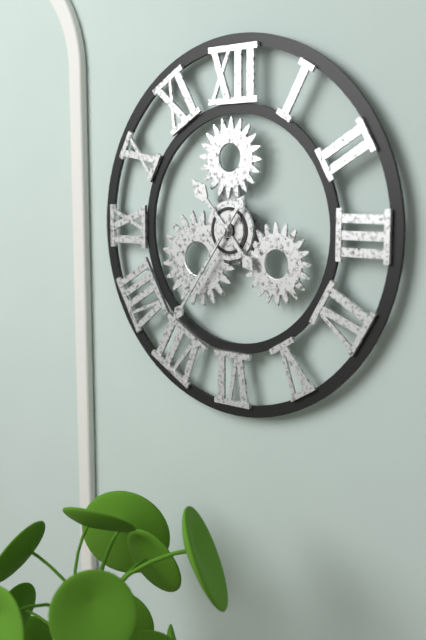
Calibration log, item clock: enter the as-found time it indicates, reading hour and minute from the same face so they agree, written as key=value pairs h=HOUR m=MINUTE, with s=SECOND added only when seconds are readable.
h=10 m=36
